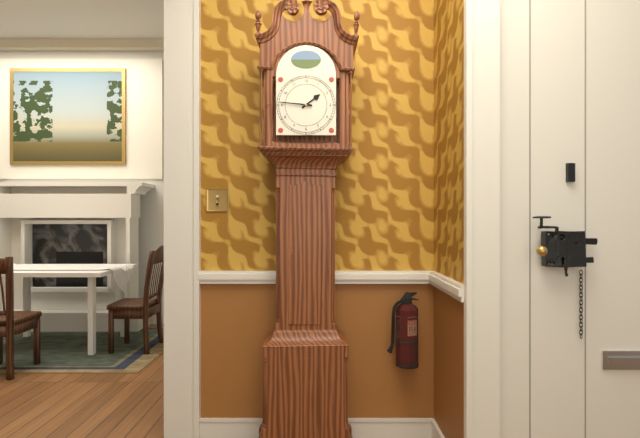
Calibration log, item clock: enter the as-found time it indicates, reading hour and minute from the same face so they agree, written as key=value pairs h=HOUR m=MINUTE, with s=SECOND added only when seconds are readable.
h=1 m=46
